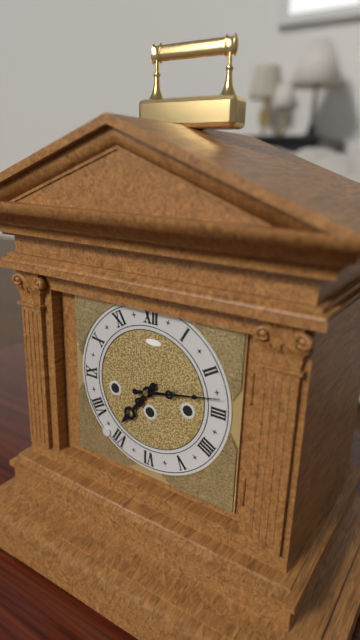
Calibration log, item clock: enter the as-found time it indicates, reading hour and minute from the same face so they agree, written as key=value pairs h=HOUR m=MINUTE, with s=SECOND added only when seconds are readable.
h=7 m=13
